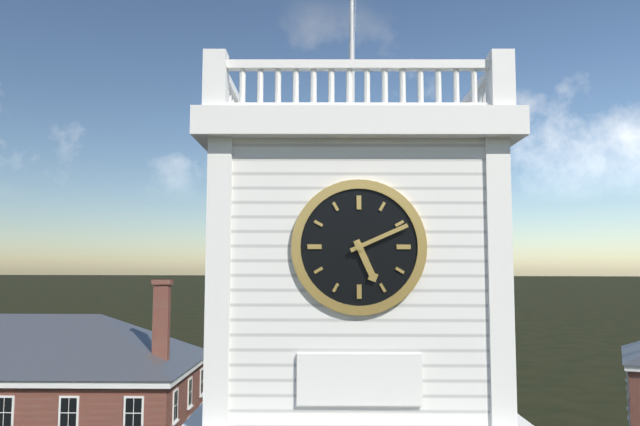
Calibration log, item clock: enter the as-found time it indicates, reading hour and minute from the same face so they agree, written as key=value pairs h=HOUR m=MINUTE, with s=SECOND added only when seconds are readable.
h=5 m=11
